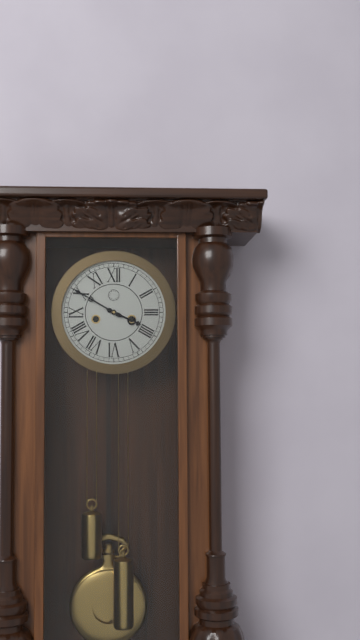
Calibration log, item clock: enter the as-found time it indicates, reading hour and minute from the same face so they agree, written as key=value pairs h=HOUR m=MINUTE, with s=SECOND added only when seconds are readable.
h=3 m=50
